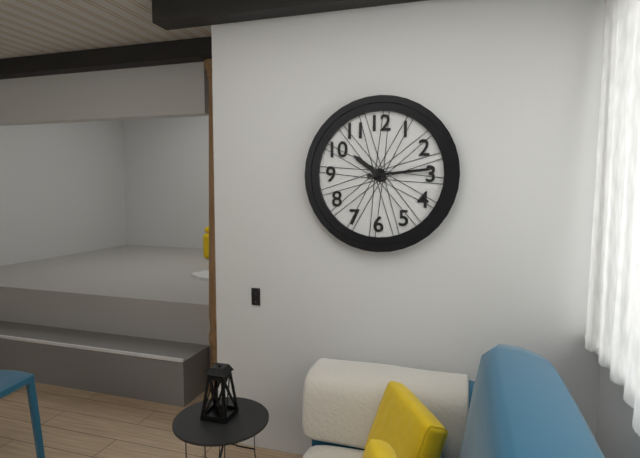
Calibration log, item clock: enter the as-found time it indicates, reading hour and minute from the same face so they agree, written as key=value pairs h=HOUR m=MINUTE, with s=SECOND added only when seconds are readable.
h=10 m=14
